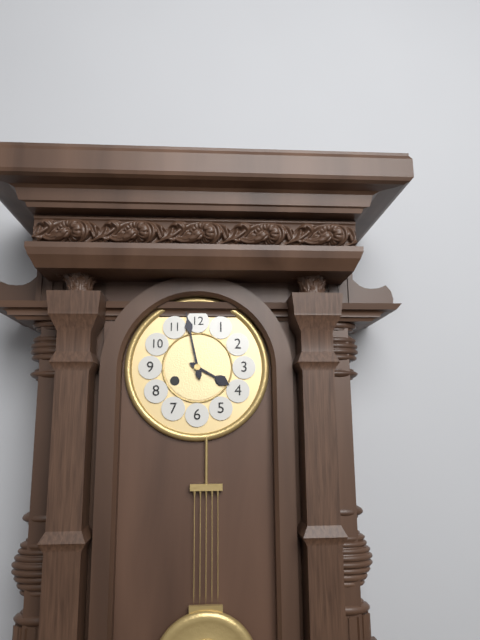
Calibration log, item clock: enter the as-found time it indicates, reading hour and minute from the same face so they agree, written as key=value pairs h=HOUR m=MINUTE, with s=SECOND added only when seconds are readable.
h=3 m=58
